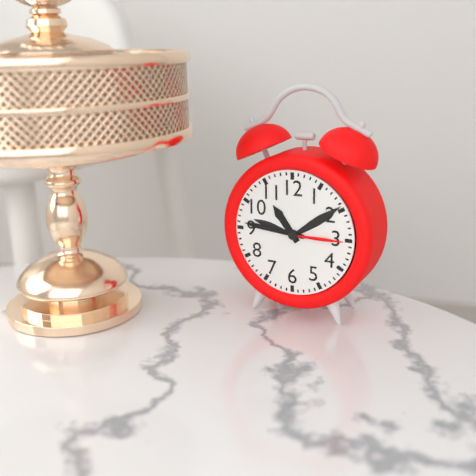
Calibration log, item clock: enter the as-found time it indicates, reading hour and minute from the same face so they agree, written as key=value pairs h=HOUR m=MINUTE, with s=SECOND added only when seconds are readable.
h=10 m=46
